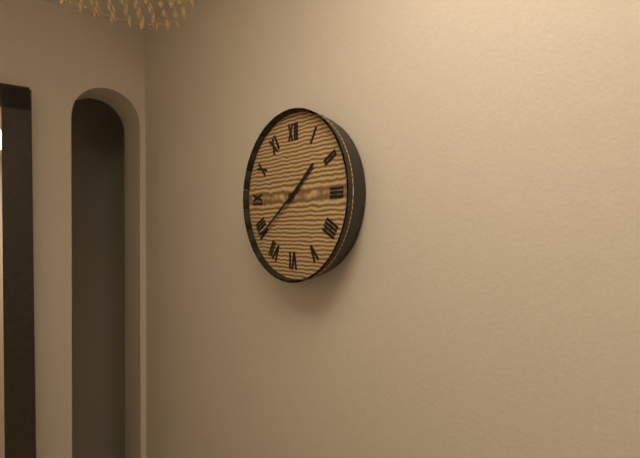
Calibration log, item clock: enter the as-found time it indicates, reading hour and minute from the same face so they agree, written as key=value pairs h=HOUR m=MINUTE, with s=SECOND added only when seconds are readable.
h=1 m=39
